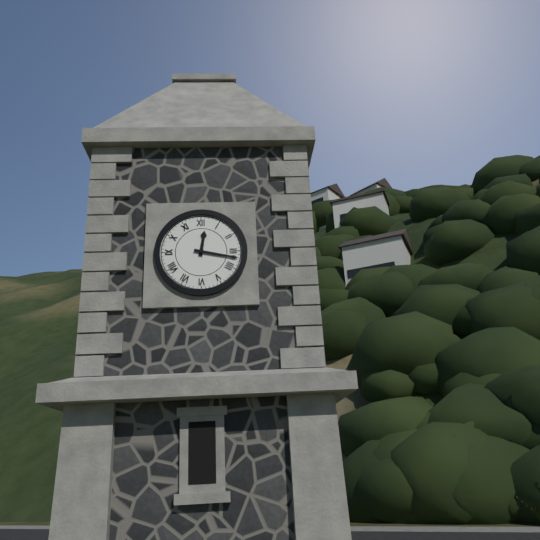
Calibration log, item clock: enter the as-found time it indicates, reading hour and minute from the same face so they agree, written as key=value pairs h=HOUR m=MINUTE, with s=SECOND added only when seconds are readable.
h=12 m=17
